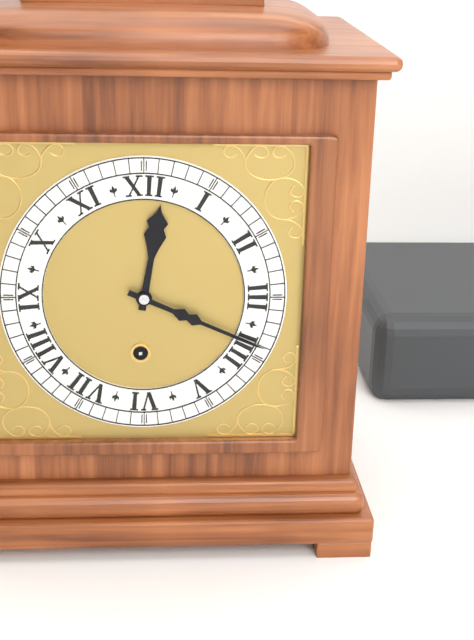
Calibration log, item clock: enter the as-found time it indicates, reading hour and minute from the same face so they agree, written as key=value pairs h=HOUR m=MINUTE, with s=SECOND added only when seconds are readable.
h=12 m=19
